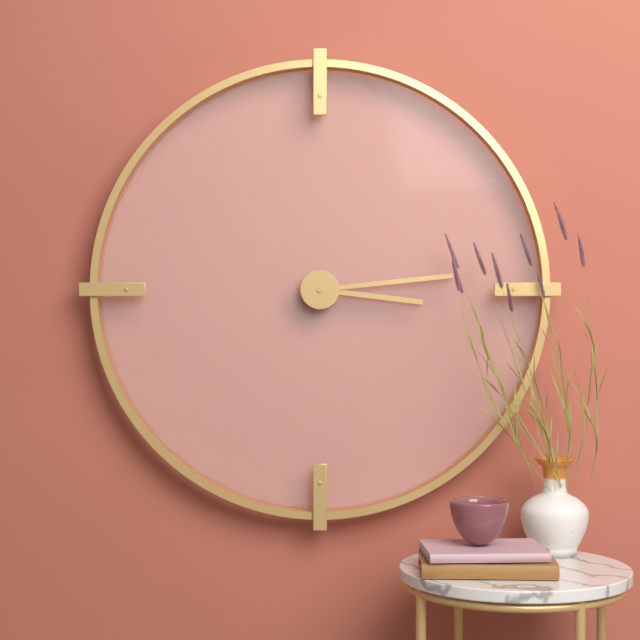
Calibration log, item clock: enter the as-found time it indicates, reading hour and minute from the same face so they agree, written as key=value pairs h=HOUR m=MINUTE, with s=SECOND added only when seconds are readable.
h=3 m=14
